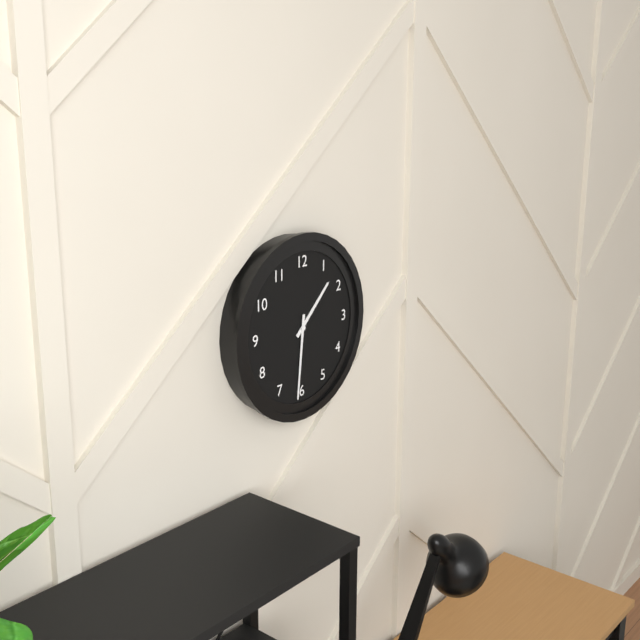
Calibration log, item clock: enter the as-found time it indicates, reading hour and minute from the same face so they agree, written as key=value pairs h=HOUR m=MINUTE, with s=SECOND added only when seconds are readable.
h=1 m=31
